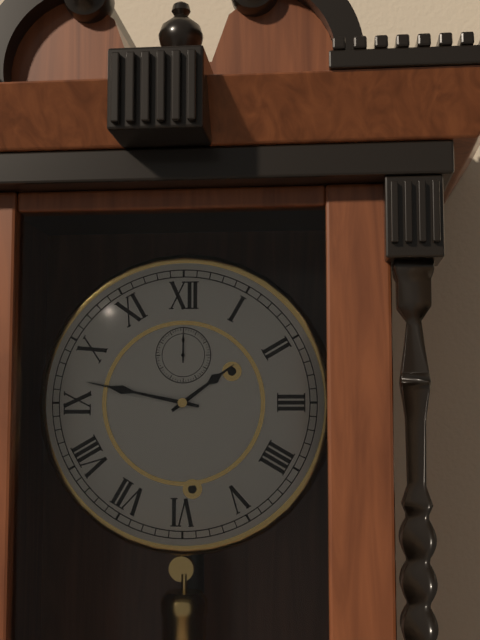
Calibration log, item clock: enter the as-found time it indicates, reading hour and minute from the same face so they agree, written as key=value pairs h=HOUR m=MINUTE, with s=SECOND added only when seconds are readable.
h=1 m=47
